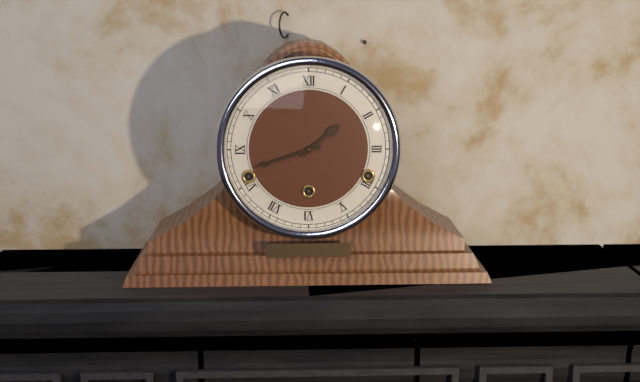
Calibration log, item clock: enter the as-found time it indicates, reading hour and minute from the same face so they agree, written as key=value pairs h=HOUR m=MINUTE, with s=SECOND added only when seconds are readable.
h=1 m=42
